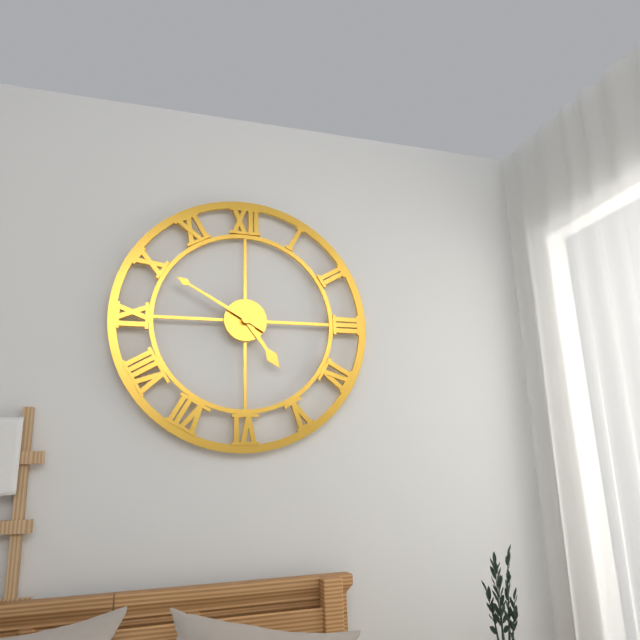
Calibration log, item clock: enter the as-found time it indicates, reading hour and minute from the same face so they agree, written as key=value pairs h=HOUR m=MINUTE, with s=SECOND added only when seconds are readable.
h=4 m=50
